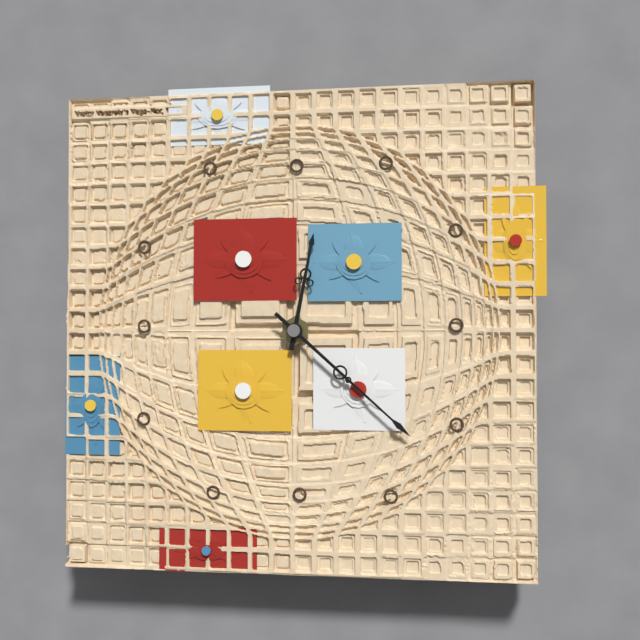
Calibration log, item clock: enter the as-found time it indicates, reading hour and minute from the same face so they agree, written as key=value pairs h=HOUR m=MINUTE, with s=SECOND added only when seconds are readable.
h=12 m=22
